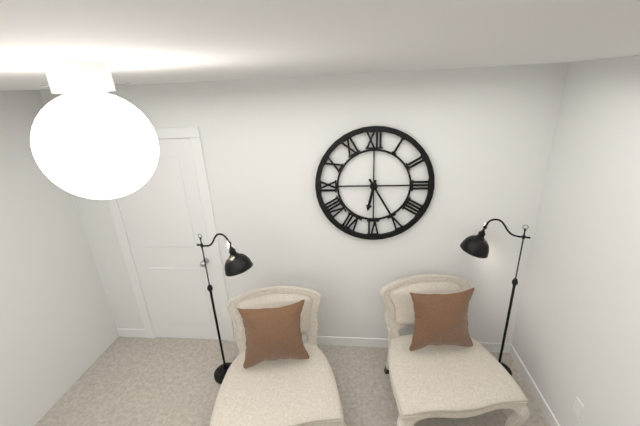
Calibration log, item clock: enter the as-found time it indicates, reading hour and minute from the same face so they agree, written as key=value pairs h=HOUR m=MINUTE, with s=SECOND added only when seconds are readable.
h=6 m=25
